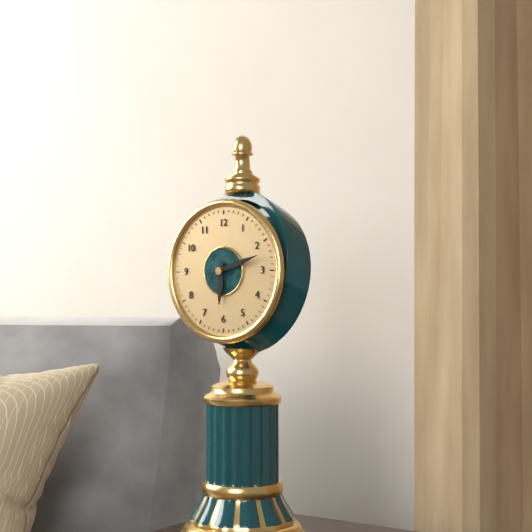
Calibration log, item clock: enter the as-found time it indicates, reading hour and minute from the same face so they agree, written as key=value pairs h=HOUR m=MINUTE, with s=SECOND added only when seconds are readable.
h=6 m=12
